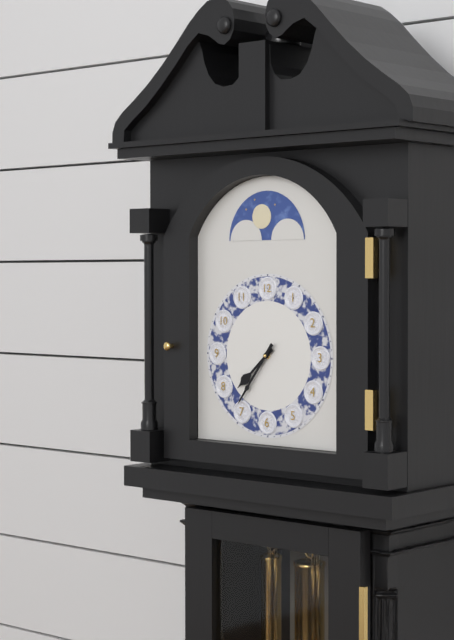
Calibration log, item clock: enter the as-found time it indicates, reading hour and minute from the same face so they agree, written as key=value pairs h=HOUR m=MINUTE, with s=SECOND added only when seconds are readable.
h=7 m=36
